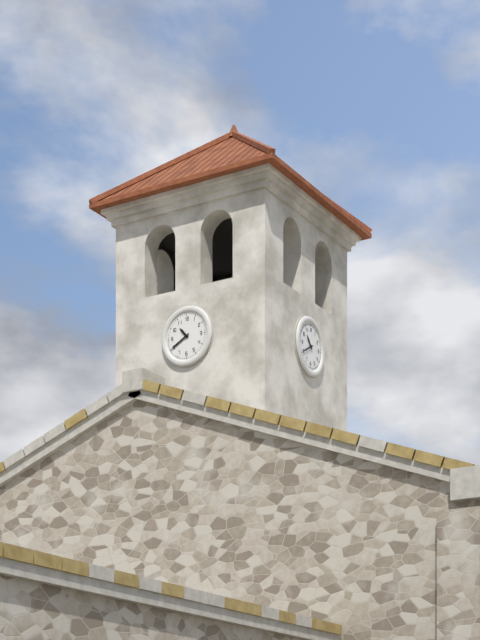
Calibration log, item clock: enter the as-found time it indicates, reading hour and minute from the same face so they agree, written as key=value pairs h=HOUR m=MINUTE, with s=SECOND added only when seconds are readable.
h=10 m=40
